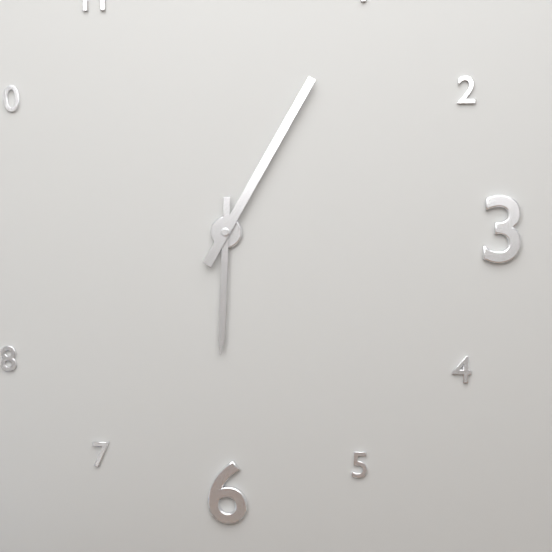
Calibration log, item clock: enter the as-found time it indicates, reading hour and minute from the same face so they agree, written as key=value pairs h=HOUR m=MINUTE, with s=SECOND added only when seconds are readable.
h=6 m=5
